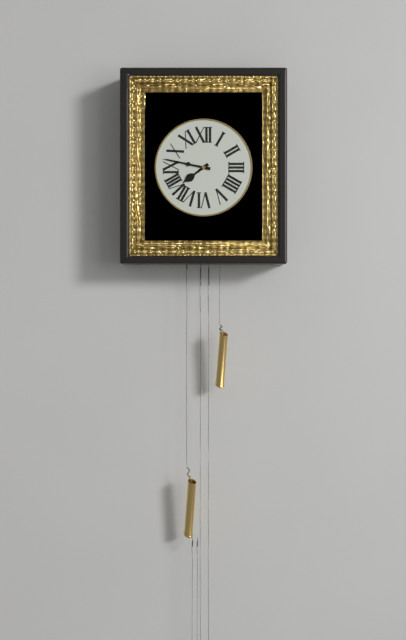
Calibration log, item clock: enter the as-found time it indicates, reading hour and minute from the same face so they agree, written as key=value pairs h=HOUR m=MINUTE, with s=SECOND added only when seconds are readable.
h=7 m=47
